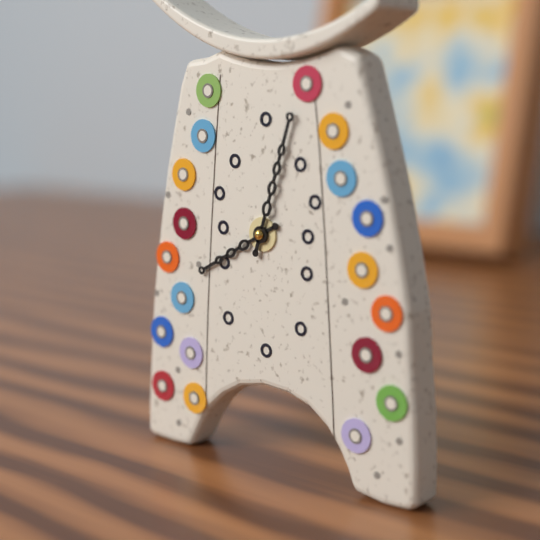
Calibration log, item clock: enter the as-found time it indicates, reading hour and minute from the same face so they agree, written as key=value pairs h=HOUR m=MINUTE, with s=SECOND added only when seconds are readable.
h=8 m=3
